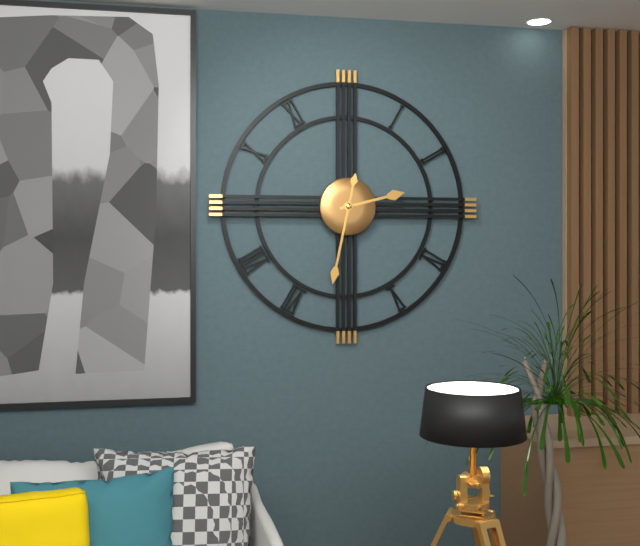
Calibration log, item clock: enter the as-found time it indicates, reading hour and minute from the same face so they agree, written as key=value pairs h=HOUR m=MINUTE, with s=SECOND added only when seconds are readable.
h=2 m=32
